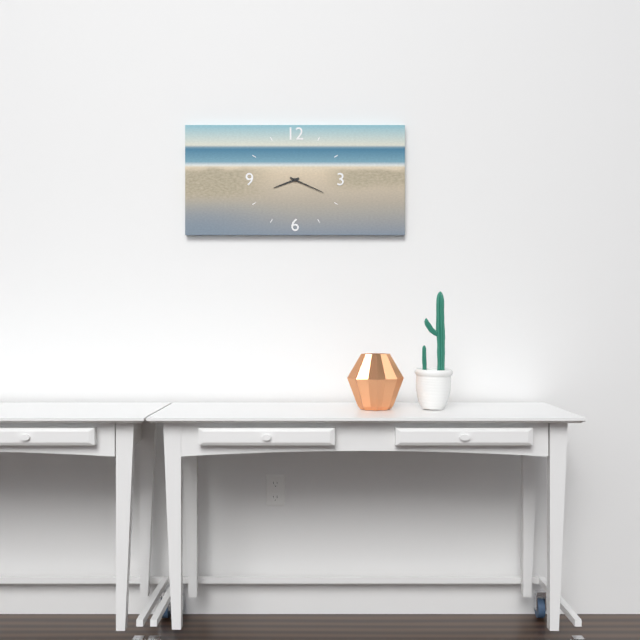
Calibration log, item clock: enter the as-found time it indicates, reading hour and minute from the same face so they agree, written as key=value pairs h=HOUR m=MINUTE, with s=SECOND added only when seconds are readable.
h=8 m=19
